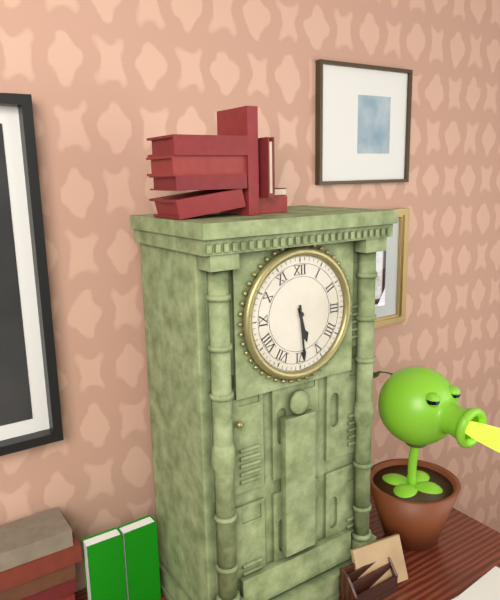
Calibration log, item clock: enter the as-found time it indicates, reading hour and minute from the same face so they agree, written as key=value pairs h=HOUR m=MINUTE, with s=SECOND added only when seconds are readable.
h=5 m=29
